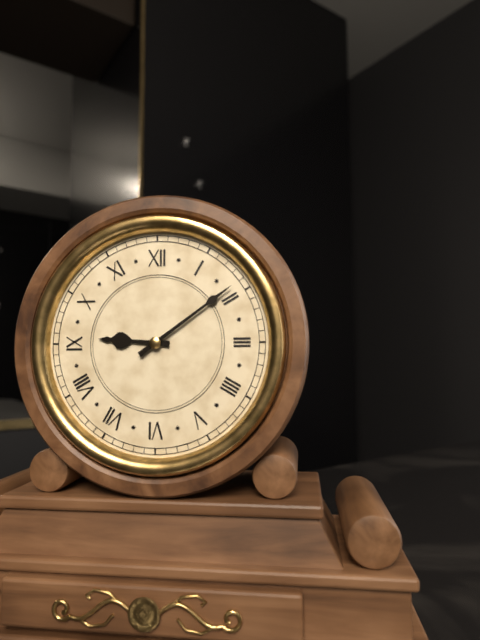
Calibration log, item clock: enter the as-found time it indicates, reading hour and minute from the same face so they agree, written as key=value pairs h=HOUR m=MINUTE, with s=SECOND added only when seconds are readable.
h=9 m=9
